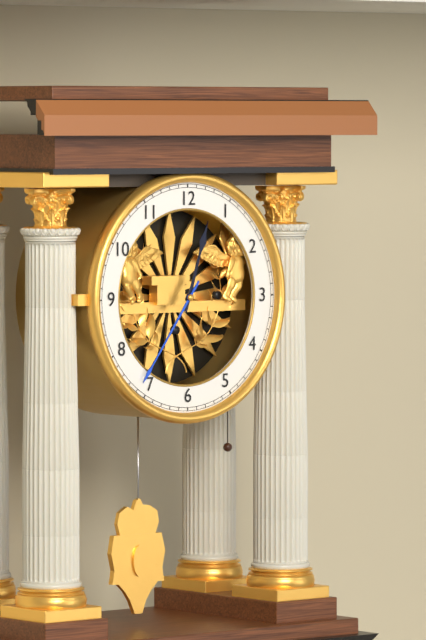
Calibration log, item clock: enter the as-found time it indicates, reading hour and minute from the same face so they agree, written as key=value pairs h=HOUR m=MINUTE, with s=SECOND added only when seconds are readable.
h=12 m=36
